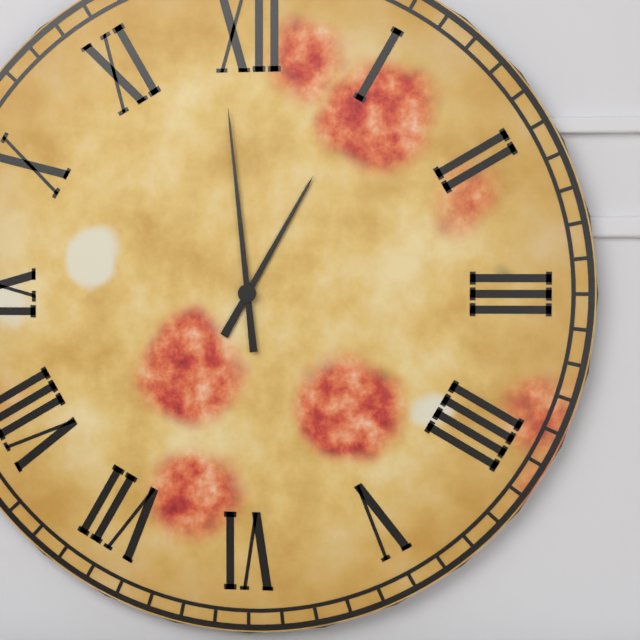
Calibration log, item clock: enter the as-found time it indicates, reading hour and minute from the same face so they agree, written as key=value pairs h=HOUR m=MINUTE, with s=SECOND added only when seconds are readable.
h=12 m=59
